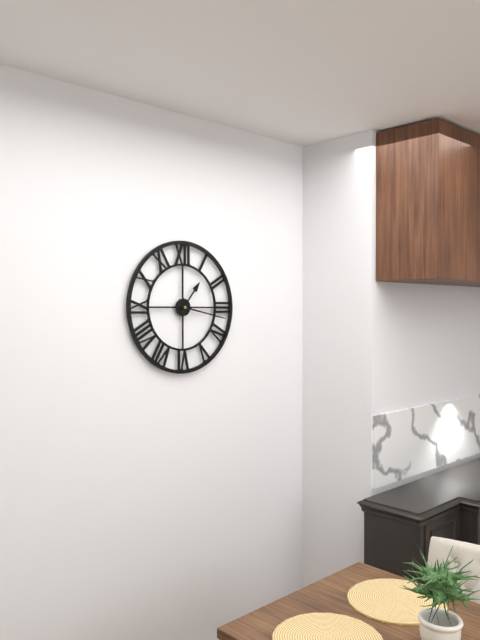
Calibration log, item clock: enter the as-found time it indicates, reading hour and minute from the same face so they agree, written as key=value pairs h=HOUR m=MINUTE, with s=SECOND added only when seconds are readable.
h=1 m=17
